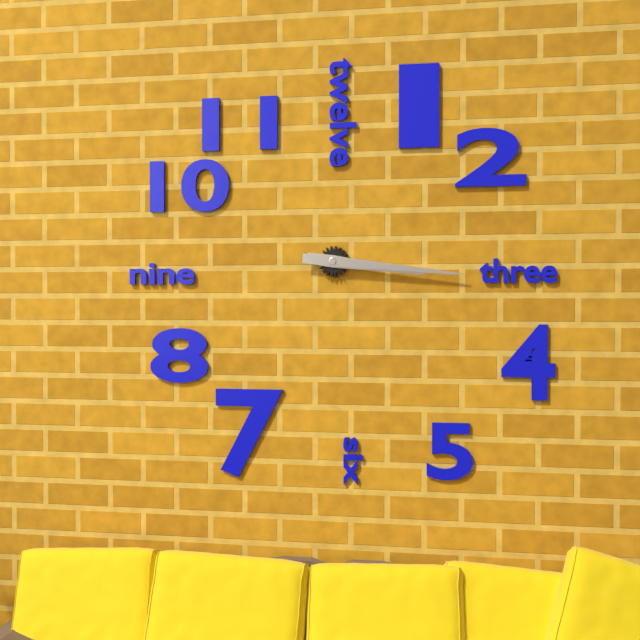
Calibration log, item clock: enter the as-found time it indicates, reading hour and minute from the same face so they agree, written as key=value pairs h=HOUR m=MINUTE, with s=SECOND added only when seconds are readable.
h=3 m=16
